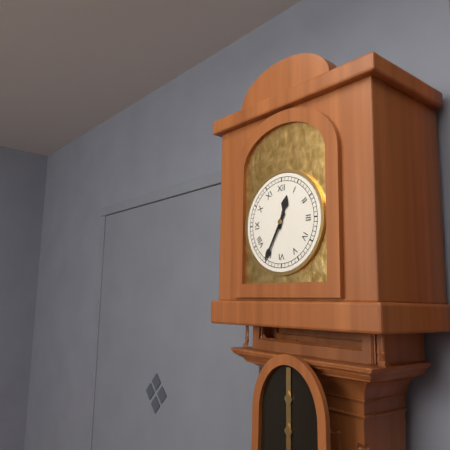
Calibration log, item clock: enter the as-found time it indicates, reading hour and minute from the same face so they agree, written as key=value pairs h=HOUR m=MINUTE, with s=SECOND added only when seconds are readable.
h=12 m=35
